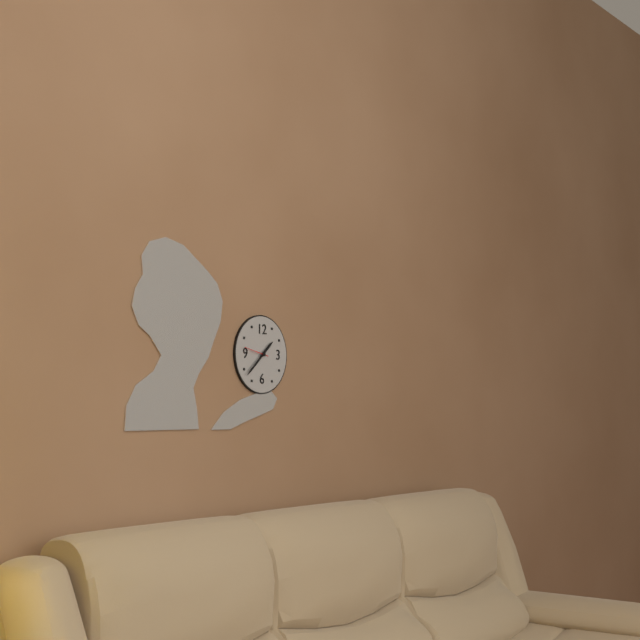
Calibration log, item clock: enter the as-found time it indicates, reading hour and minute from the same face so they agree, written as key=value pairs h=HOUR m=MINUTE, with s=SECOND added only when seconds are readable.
h=1 m=38
